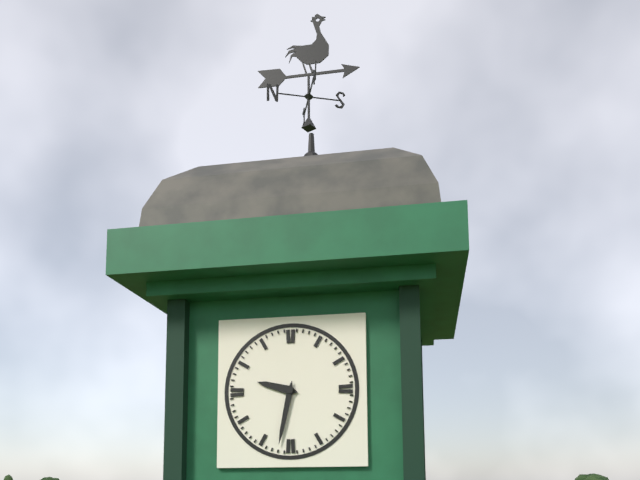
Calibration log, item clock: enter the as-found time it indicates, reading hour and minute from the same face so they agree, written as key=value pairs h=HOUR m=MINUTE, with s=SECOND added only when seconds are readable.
h=9 m=32
